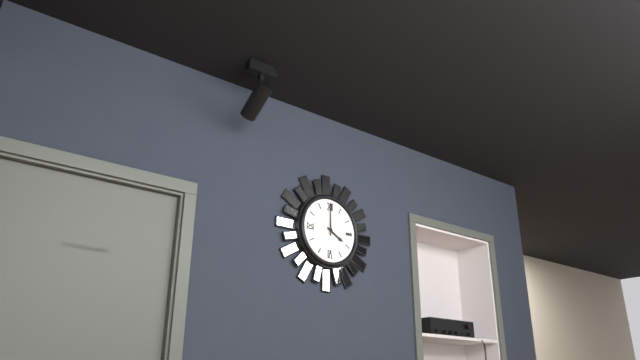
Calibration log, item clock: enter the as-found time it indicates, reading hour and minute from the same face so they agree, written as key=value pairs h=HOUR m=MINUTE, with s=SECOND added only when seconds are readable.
h=4 m=0
